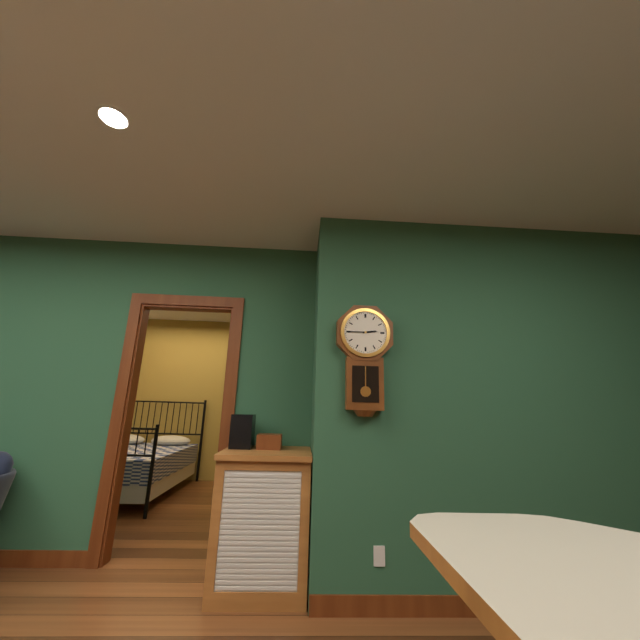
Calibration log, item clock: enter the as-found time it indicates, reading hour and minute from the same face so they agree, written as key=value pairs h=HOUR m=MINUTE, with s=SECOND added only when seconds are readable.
h=2 m=45
